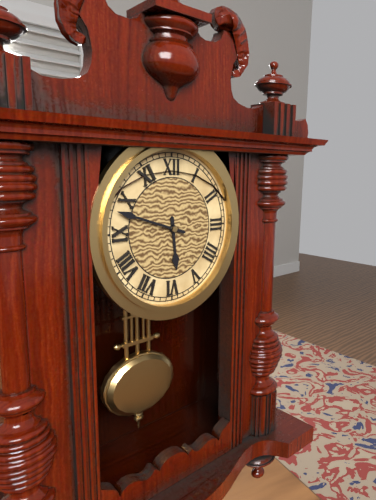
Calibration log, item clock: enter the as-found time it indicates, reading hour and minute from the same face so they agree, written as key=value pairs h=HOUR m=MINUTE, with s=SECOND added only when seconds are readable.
h=5 m=48
